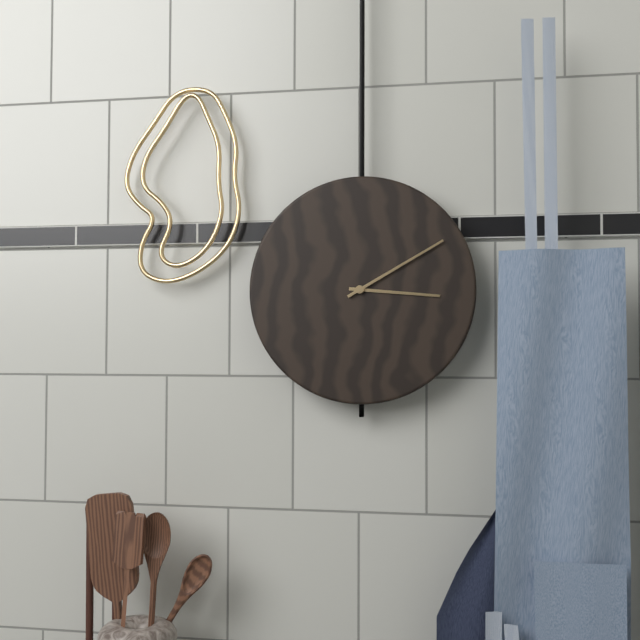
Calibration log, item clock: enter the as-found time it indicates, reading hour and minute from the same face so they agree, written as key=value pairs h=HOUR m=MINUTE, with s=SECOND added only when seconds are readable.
h=3 m=10
